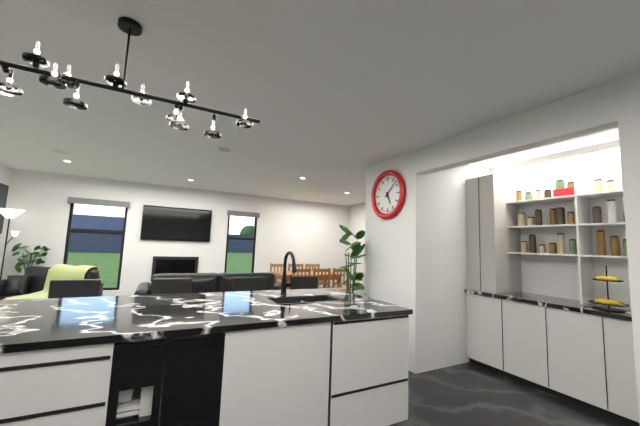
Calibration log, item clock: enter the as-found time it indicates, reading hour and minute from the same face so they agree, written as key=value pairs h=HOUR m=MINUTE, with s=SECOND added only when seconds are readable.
h=5 m=8
